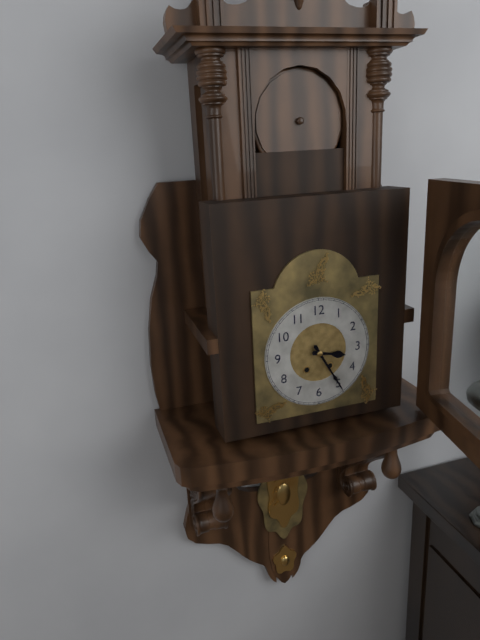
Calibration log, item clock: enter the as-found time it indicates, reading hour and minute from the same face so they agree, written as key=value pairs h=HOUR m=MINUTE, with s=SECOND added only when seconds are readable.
h=3 m=25
